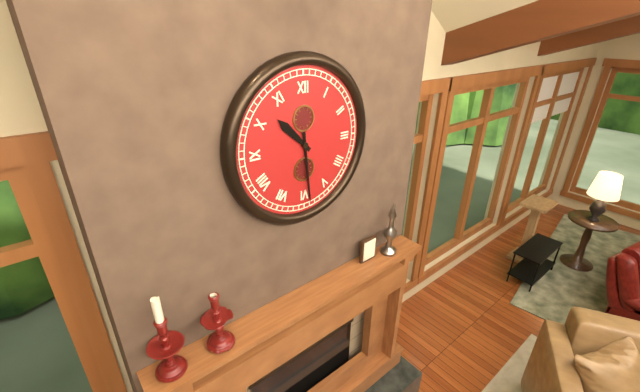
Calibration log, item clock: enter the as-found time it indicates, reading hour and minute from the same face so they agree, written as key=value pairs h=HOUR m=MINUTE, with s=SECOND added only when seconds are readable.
h=10 m=29
